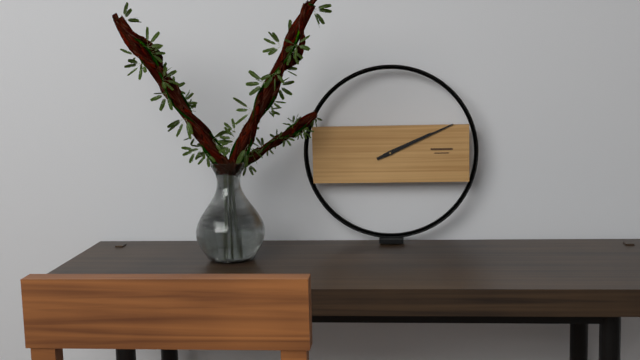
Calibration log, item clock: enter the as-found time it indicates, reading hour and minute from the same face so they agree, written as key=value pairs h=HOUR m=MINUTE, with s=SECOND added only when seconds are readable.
h=2 m=11
